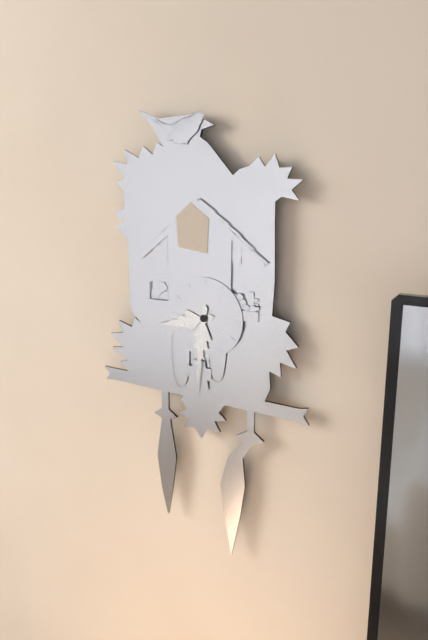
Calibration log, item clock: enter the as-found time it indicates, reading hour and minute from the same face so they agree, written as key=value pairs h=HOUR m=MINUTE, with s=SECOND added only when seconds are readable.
h=8 m=31
